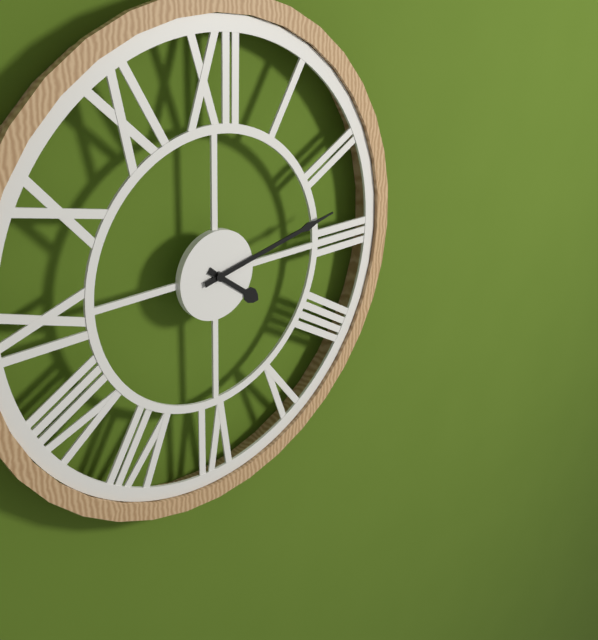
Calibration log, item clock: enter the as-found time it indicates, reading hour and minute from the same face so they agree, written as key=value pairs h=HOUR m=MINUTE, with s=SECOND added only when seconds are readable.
h=4 m=13
